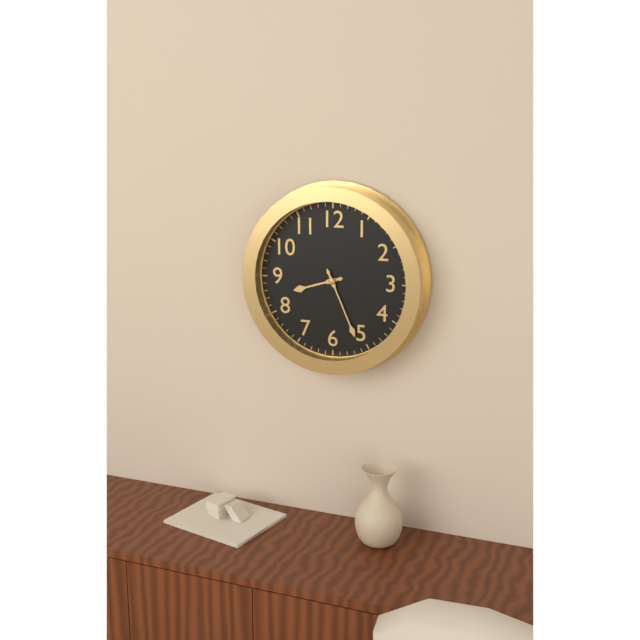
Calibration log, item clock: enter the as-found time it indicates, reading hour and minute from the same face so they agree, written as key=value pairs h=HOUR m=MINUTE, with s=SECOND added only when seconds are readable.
h=8 m=26
